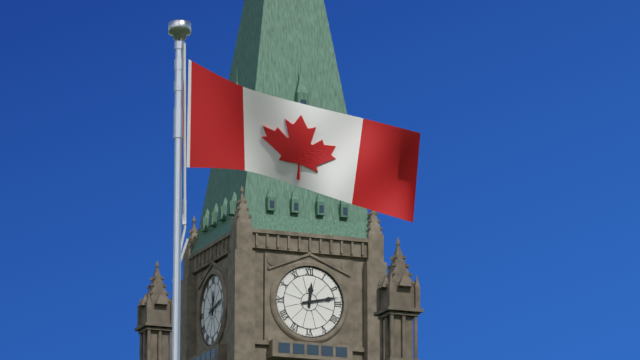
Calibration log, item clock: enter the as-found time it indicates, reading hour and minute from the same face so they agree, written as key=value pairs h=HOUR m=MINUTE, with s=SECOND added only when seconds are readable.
h=12 m=13
